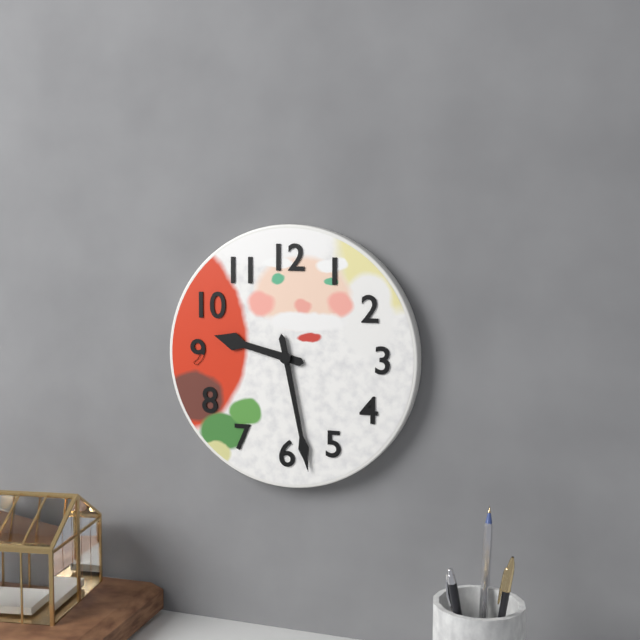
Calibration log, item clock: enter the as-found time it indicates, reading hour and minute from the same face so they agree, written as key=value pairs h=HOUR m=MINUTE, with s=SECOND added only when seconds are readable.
h=9 m=28
